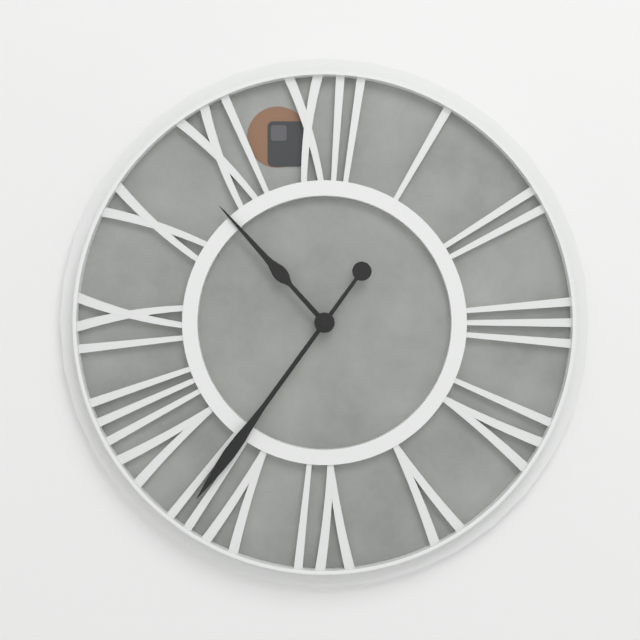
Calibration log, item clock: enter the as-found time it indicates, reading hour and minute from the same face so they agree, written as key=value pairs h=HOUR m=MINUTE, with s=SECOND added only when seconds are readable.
h=10 m=36
